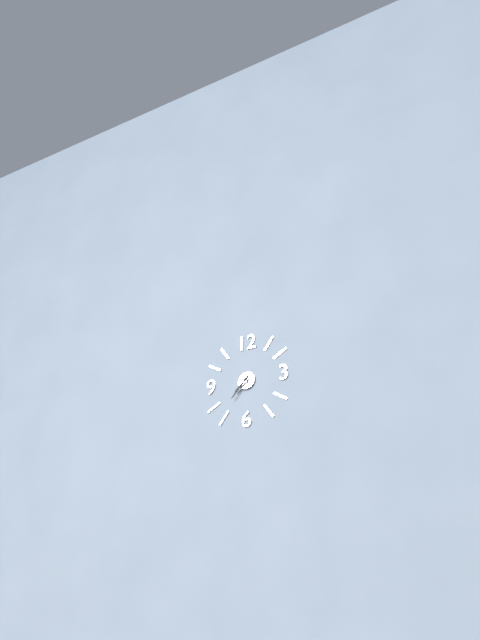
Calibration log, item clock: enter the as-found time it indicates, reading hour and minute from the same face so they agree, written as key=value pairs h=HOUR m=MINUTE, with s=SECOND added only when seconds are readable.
h=7 m=37
